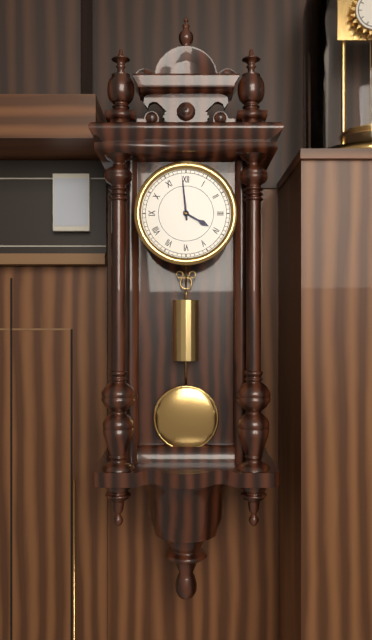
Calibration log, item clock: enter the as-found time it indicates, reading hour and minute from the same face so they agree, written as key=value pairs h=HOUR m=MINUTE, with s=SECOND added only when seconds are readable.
h=3 m=59
